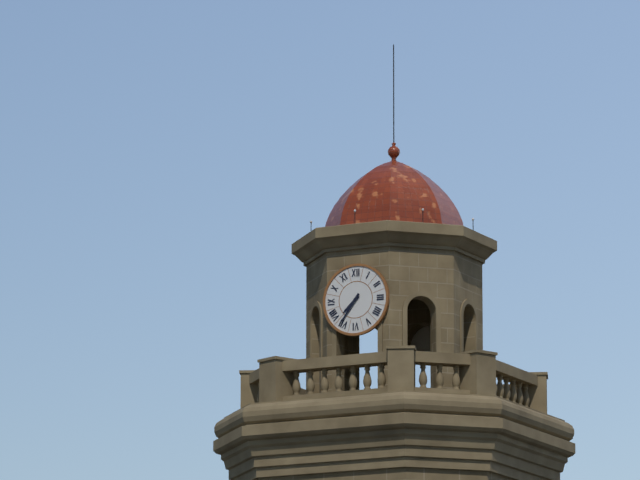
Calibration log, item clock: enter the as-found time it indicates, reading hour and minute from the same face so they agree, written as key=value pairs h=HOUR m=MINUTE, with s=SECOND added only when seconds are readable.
h=7 m=36
